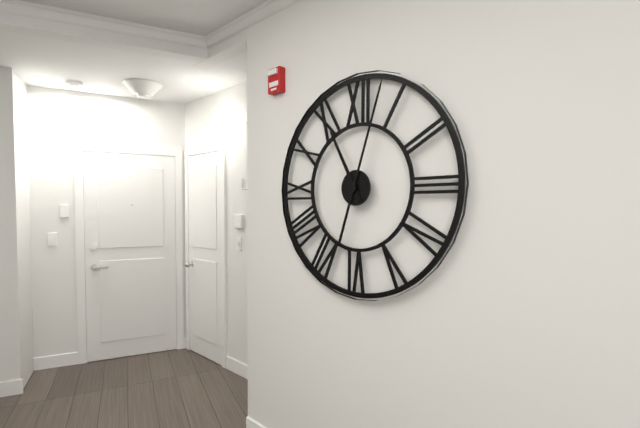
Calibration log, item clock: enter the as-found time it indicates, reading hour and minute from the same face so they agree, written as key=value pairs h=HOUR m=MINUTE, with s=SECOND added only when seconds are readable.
h=11 m=3
